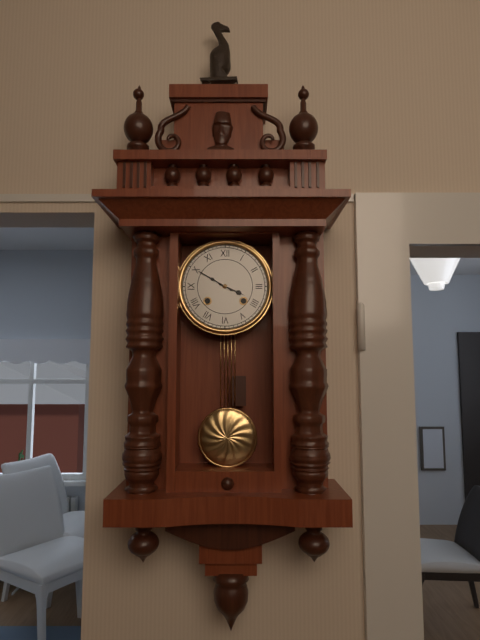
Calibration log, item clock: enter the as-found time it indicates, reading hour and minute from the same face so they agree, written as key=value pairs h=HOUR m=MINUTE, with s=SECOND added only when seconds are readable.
h=3 m=50
